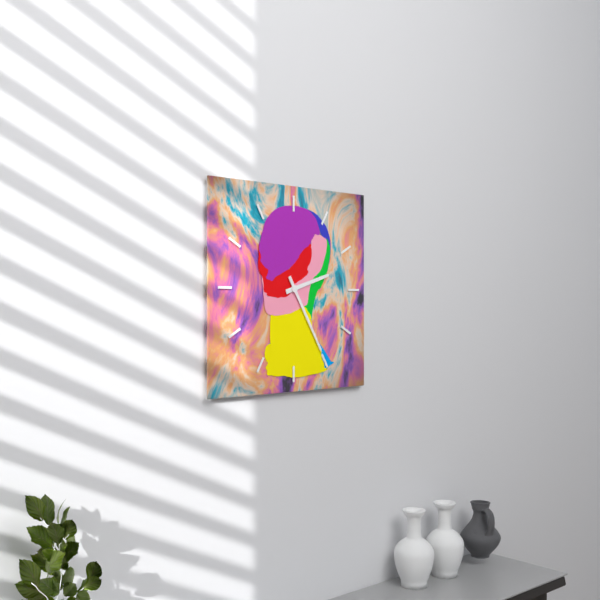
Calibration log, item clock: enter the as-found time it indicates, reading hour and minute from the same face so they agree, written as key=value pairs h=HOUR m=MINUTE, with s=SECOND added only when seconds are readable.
h=2 m=25
